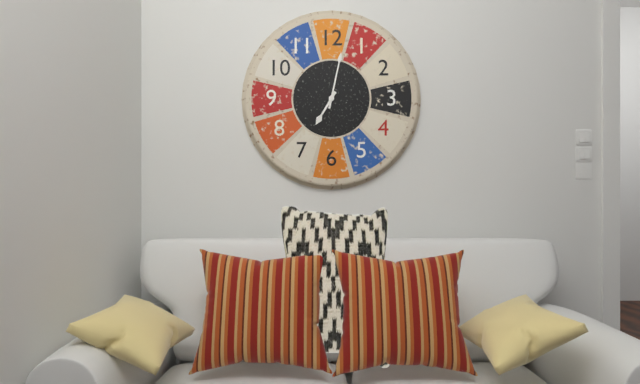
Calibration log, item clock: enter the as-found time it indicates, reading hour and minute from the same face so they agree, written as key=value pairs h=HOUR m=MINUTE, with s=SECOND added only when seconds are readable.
h=7 m=2
